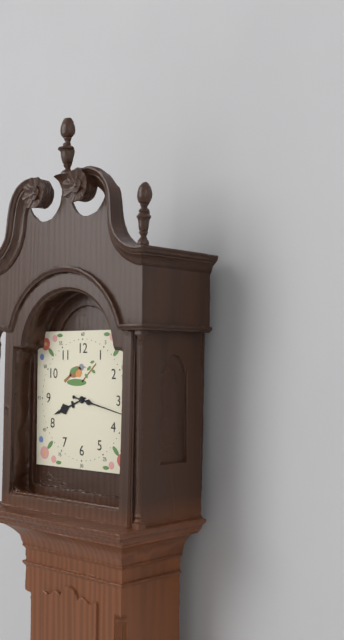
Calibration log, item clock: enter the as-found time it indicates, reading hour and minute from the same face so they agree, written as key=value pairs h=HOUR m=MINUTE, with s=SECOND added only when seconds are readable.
h=8 m=17
